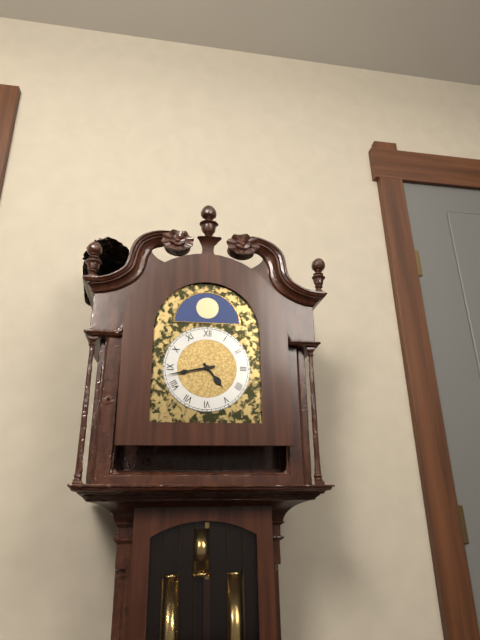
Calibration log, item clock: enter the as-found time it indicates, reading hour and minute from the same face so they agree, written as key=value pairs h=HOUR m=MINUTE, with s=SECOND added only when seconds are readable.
h=4 m=43
